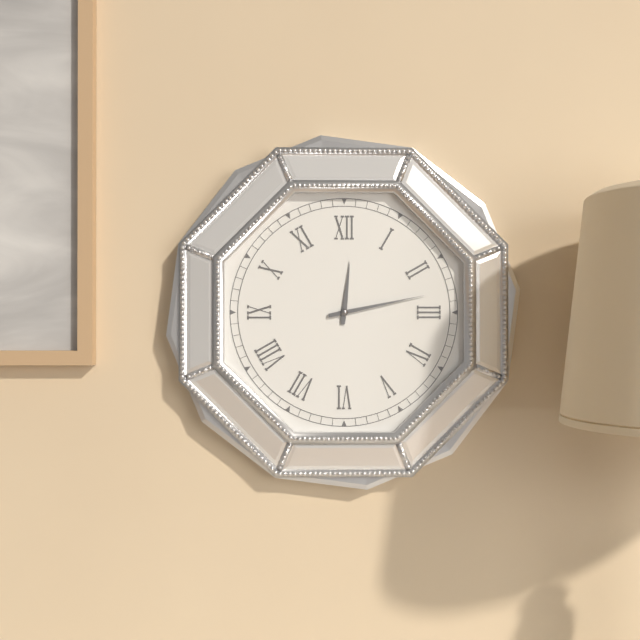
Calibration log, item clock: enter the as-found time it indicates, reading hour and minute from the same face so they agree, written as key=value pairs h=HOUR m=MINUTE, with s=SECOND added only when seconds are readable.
h=12 m=13
